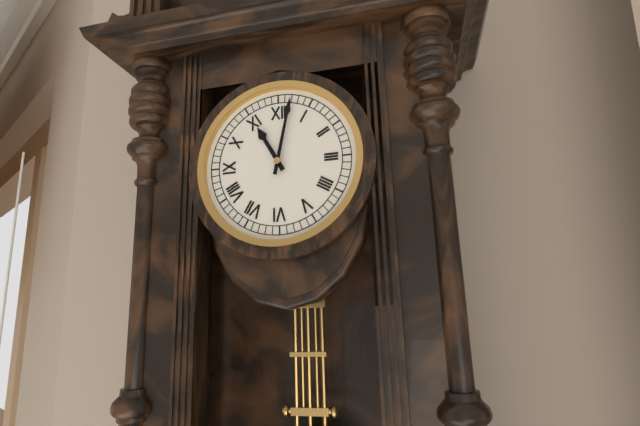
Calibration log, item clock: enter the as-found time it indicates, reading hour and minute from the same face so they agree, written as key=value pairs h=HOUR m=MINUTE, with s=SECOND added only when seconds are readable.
h=11 m=2
